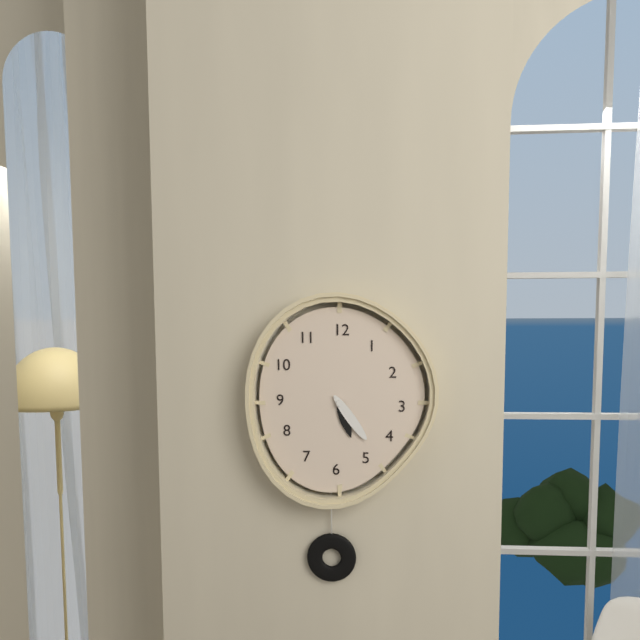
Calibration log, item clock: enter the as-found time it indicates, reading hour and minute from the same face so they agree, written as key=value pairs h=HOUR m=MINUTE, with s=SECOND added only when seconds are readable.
h=5 m=24
